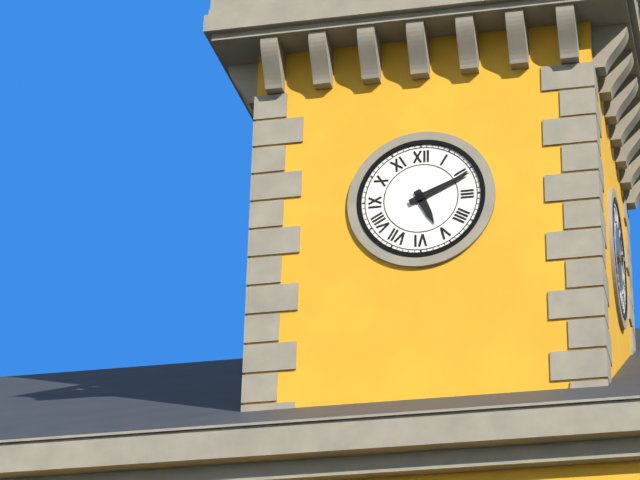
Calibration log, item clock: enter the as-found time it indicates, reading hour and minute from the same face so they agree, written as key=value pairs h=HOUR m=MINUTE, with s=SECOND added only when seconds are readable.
h=5 m=11
